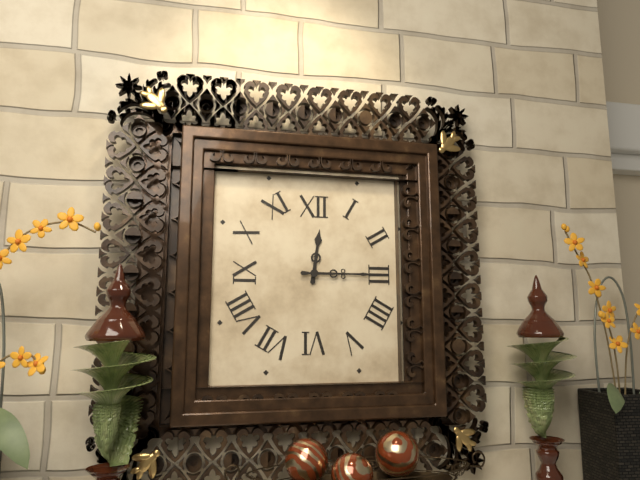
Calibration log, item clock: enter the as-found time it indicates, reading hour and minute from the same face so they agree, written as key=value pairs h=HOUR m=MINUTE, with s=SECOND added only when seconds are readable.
h=12 m=15
